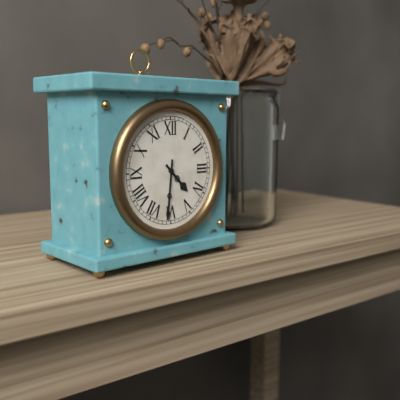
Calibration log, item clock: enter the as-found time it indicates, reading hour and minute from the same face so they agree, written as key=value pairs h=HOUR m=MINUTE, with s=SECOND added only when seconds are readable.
h=4 m=31
